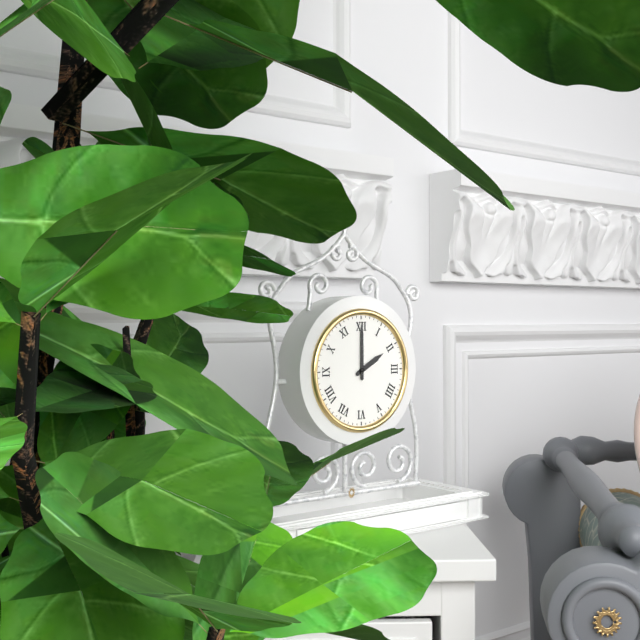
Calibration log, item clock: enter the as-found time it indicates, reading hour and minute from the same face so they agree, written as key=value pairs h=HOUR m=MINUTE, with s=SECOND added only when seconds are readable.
h=2 m=0
